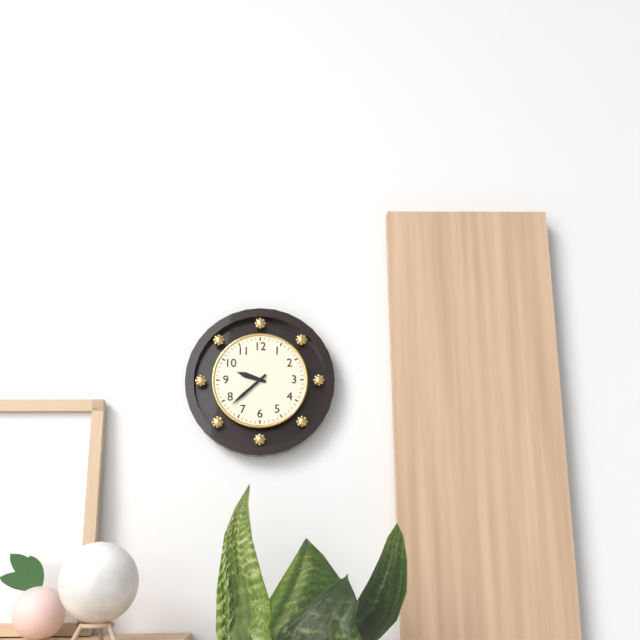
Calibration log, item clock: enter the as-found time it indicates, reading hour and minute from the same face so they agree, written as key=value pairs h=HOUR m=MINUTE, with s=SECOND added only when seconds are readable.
h=9 m=38
